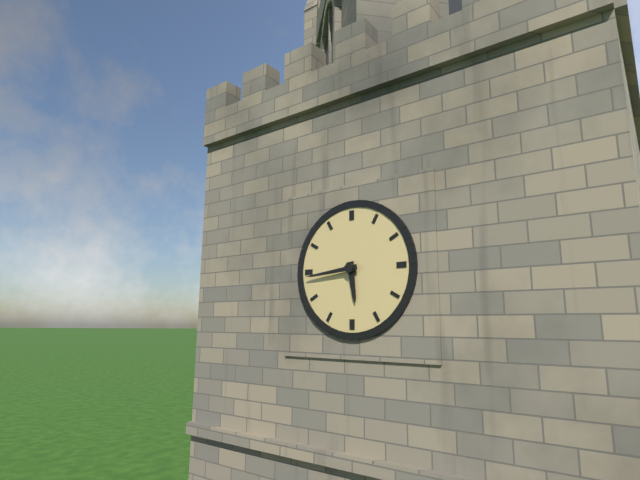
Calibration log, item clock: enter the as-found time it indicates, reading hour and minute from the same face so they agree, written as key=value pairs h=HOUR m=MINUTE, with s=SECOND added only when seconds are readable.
h=5 m=44
